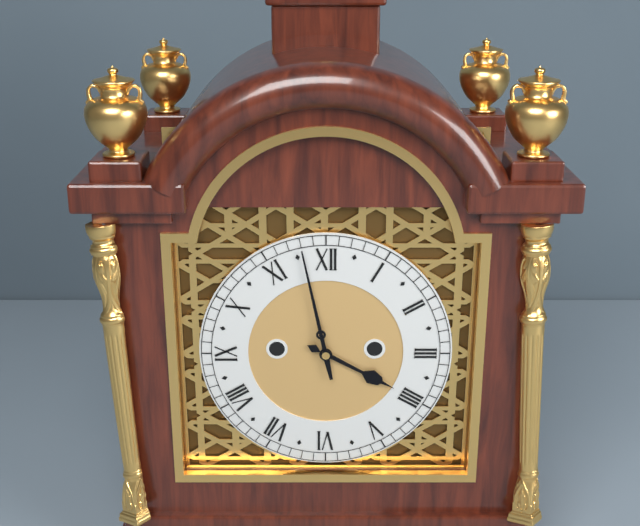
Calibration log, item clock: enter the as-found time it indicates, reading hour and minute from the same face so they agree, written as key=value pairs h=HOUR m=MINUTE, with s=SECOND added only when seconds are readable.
h=3 m=58
